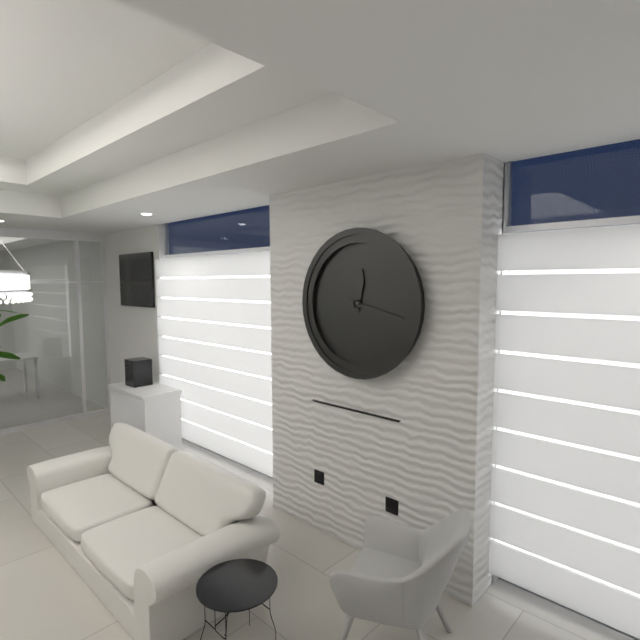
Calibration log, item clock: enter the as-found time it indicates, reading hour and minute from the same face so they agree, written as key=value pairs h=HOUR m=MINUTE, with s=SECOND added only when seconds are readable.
h=12 m=17
